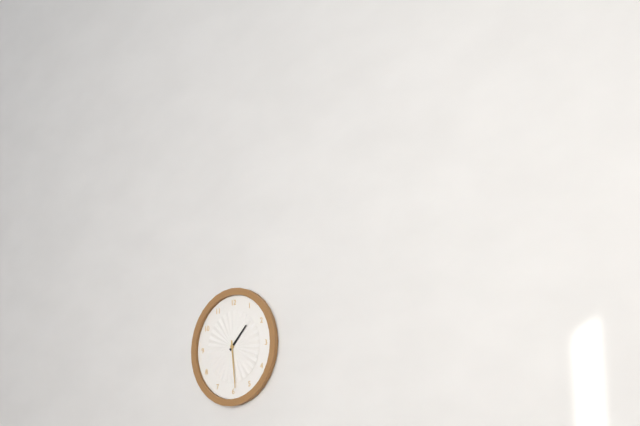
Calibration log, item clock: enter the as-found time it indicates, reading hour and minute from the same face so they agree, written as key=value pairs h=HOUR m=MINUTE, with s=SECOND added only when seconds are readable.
h=1 m=29
